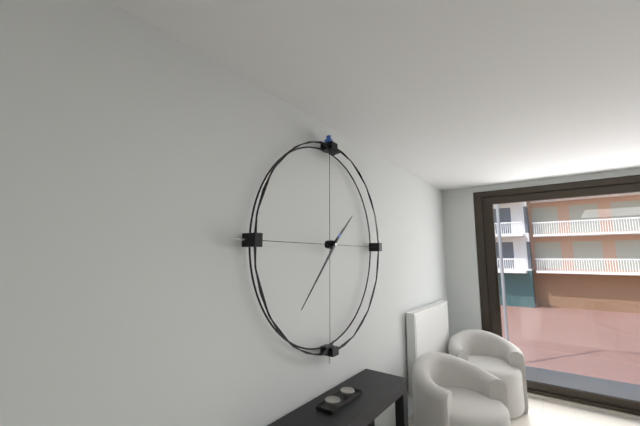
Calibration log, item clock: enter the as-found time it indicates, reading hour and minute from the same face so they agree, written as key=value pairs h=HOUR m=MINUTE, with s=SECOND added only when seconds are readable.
h=1 m=37
